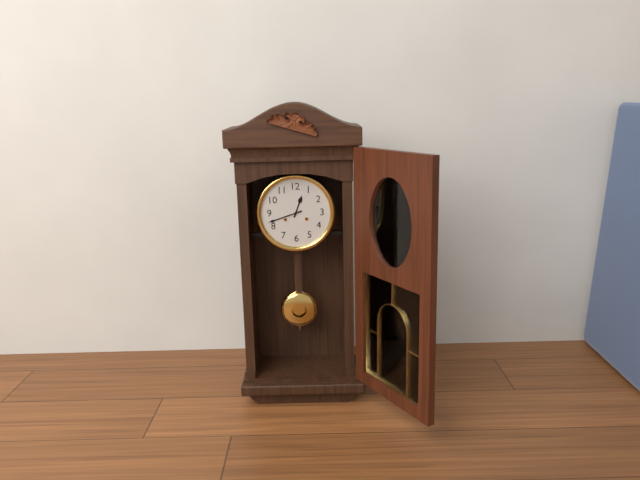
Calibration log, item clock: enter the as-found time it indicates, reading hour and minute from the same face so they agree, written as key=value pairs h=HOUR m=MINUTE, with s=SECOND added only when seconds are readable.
h=12 m=42
